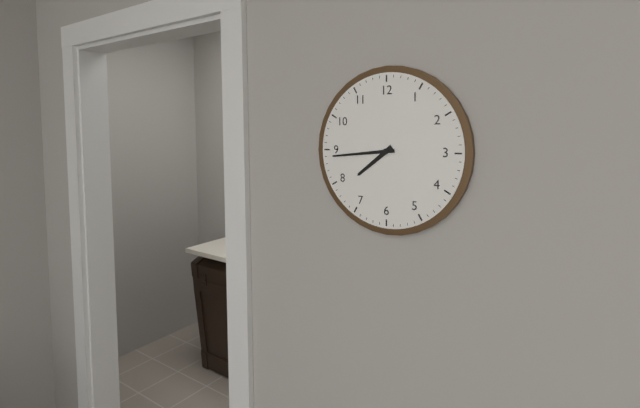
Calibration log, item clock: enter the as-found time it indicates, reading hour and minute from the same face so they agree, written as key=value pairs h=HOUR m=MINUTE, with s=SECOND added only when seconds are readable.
h=7 m=44
